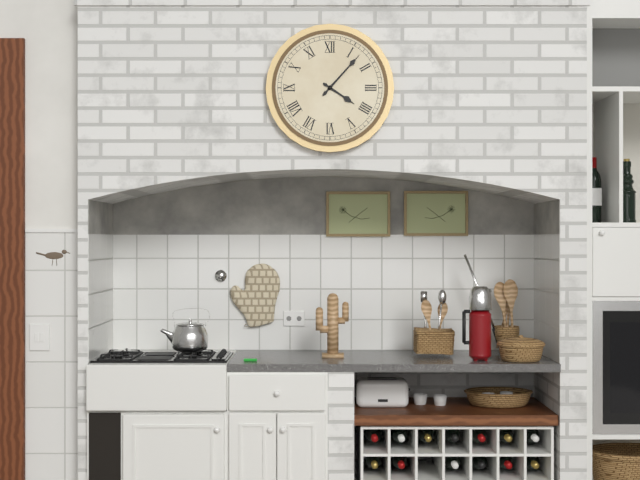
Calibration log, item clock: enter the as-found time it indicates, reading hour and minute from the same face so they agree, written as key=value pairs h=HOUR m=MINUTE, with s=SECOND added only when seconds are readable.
h=4 m=7
